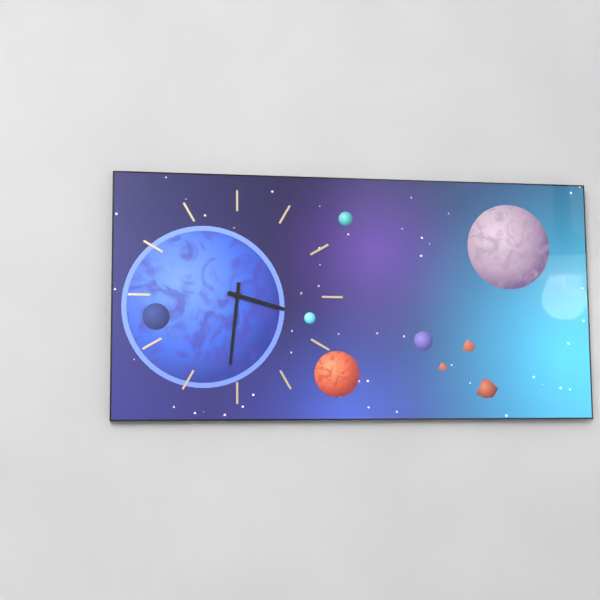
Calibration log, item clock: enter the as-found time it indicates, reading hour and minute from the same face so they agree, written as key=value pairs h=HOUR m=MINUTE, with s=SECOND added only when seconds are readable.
h=3 m=31
